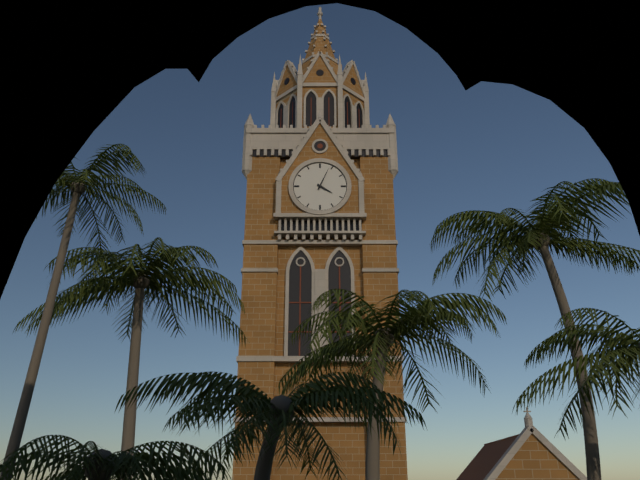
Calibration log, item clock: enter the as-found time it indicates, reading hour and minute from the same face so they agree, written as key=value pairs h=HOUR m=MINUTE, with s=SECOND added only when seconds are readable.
h=4 m=4
